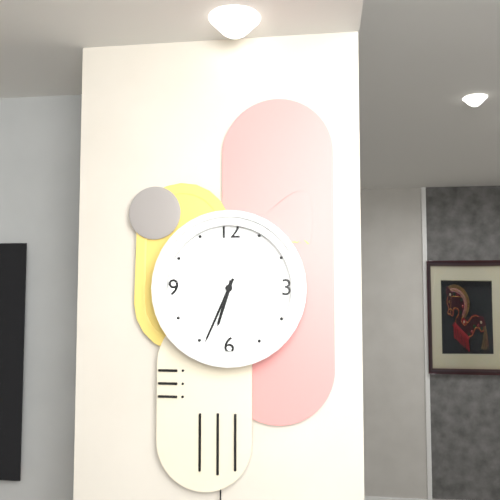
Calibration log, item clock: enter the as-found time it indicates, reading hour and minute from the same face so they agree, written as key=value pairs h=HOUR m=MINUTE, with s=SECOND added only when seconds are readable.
h=6 m=34
